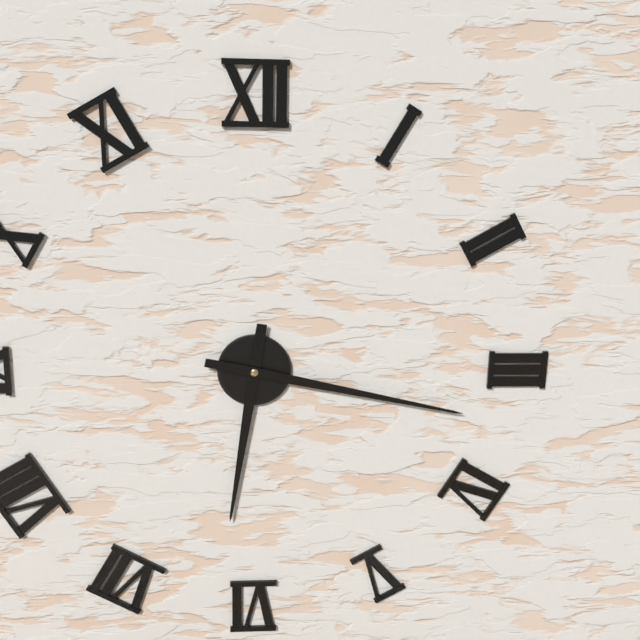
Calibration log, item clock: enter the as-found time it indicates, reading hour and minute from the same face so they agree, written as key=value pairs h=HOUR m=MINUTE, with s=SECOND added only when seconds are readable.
h=6 m=17
